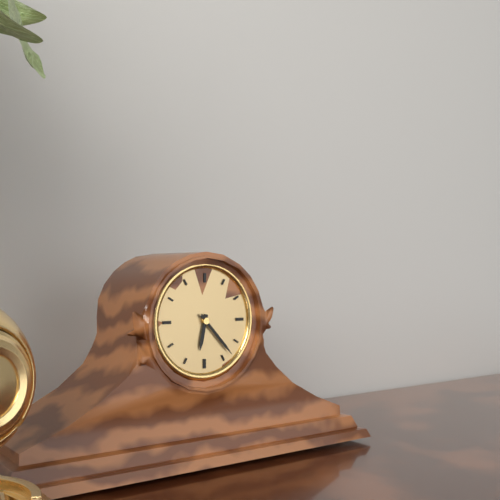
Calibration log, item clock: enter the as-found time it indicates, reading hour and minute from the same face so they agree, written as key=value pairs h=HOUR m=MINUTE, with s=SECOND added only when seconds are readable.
h=6 m=23
